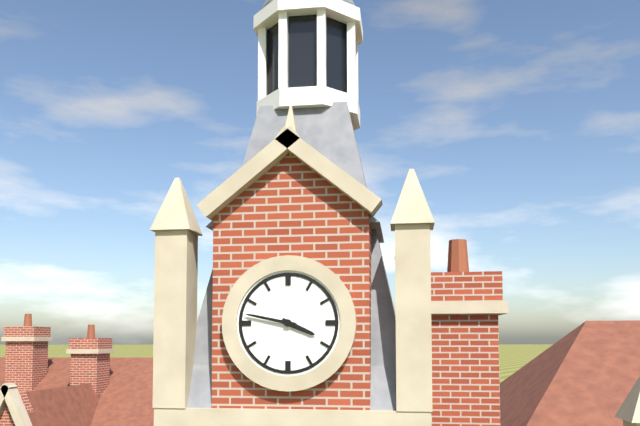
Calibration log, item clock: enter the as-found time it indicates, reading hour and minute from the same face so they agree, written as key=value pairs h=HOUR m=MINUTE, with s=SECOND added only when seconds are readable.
h=3 m=47
